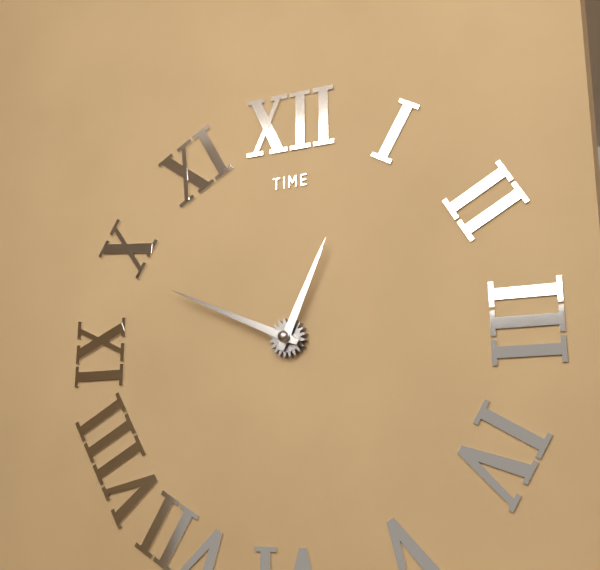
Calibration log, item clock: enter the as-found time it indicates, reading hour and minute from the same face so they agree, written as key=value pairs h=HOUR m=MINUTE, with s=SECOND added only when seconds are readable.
h=12 m=49
